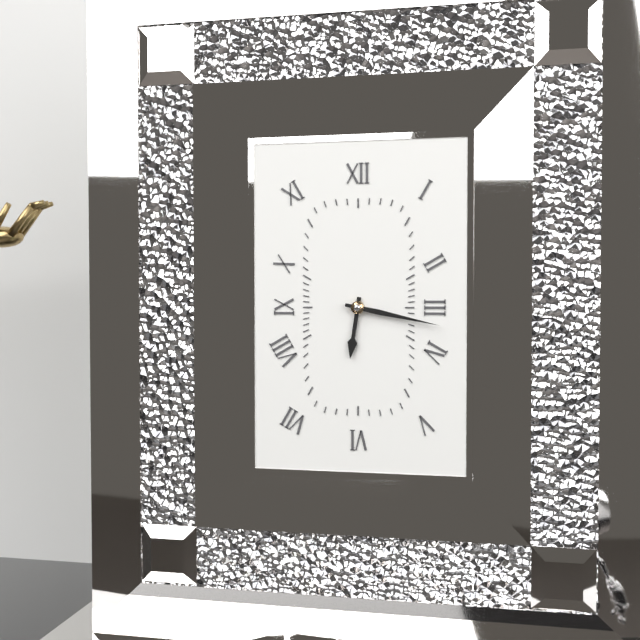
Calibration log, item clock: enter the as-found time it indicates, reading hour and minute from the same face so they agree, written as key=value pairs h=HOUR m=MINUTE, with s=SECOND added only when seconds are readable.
h=6 m=17
